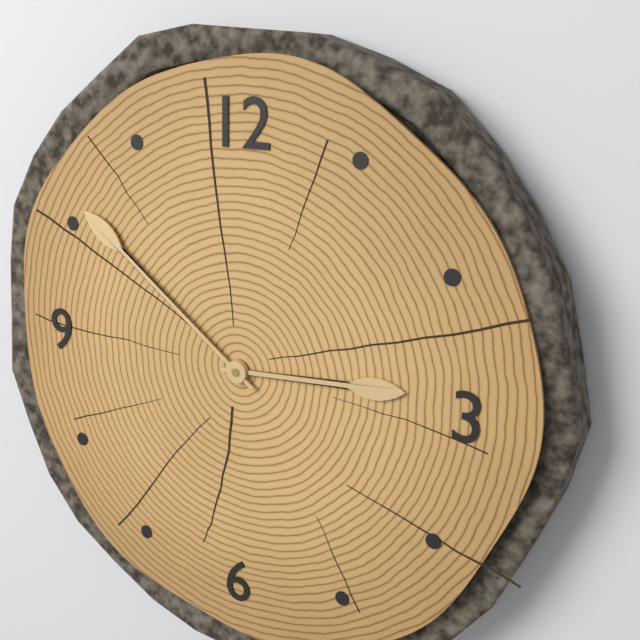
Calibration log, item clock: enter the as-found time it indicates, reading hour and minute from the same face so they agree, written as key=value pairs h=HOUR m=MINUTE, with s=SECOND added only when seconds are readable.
h=2 m=51
